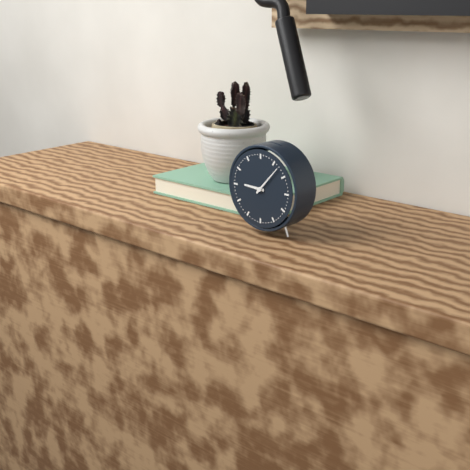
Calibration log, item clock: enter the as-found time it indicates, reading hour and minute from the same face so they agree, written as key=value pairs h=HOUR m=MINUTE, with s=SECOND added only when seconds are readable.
h=9 m=7
